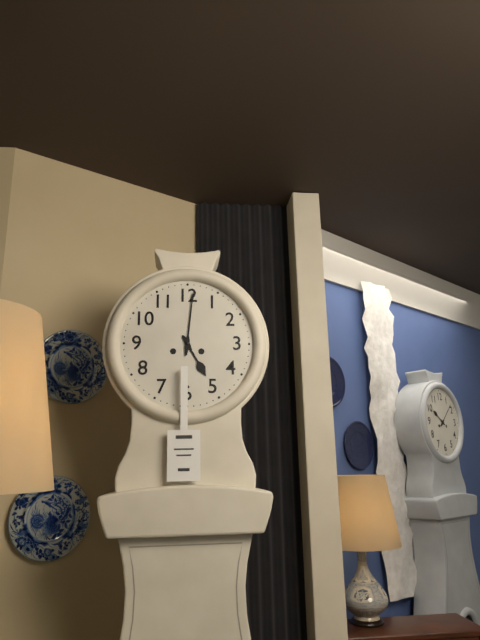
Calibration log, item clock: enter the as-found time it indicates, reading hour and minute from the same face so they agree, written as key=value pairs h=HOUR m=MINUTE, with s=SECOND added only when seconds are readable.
h=5 m=1
